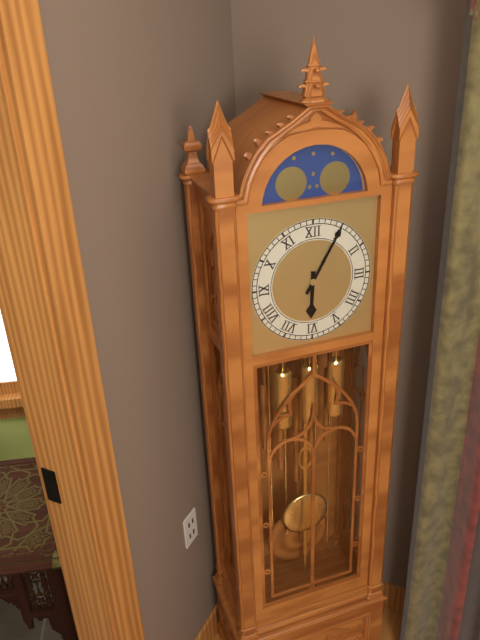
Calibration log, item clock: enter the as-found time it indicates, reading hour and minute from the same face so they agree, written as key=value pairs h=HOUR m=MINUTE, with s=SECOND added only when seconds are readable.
h=6 m=5
